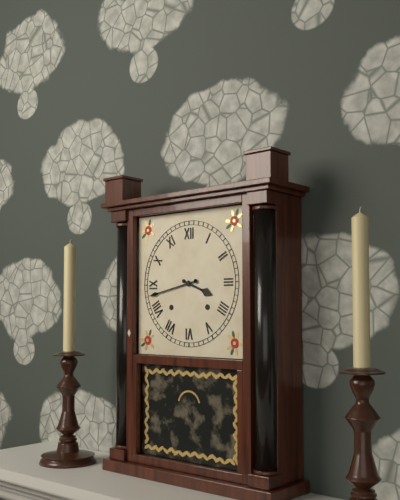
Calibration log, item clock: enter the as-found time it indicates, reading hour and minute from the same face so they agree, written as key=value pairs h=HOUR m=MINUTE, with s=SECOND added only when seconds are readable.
h=3 m=43
